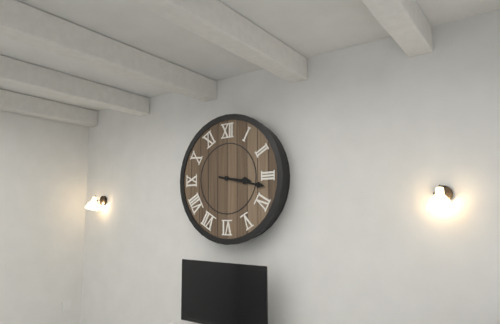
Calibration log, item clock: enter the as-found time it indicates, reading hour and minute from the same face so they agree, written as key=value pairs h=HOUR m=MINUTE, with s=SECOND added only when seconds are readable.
h=3 m=17
